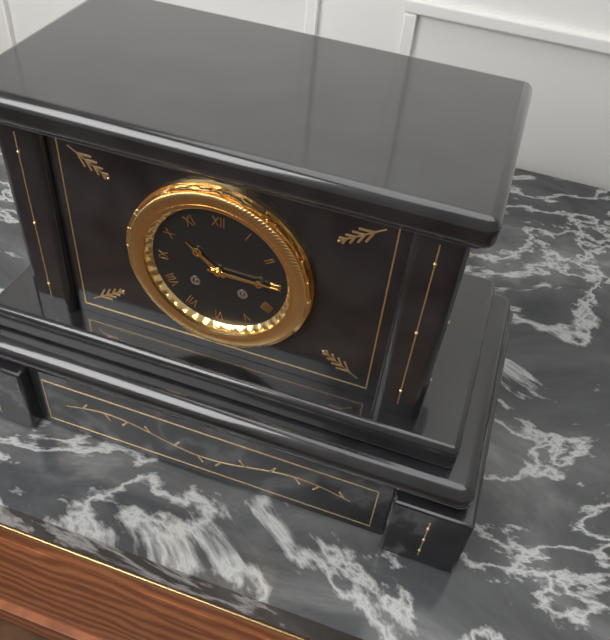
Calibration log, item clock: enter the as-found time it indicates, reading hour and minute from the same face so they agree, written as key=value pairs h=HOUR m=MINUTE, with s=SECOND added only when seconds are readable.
h=10 m=15
